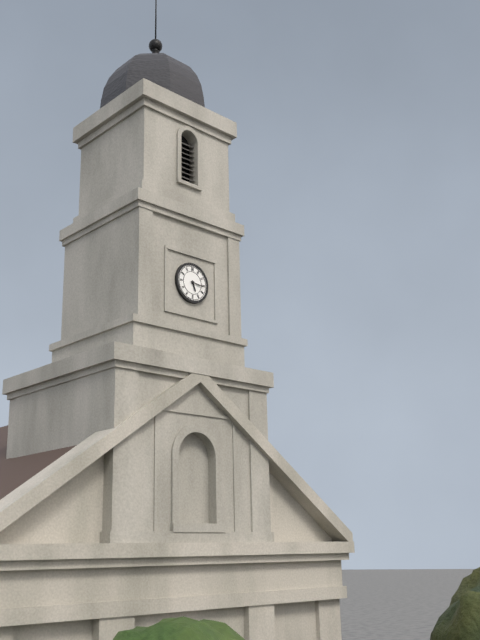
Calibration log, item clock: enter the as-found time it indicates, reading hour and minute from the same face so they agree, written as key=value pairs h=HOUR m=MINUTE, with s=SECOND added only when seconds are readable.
h=5 m=16
